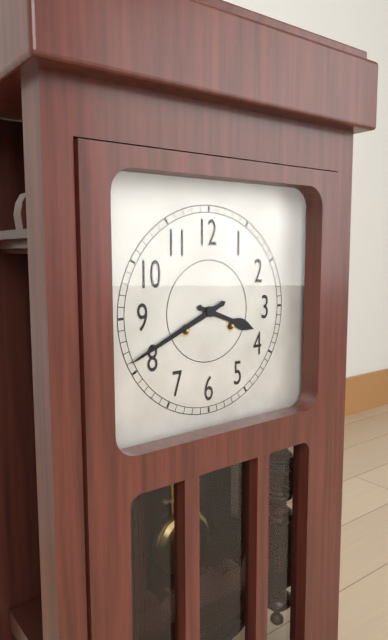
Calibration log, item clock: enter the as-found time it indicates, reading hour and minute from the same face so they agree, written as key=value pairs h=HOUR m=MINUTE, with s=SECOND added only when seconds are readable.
h=3 m=41
